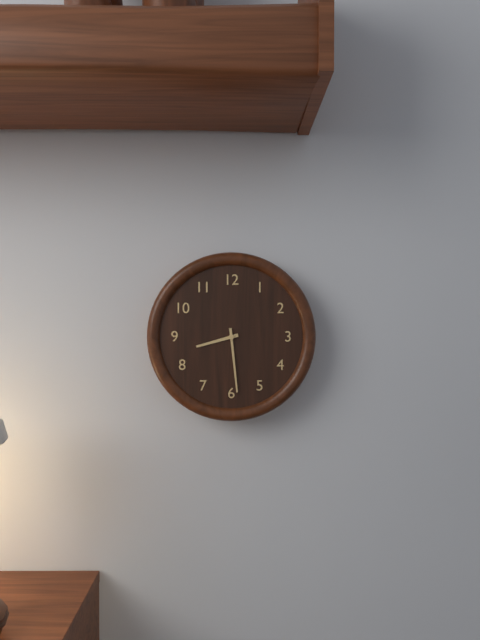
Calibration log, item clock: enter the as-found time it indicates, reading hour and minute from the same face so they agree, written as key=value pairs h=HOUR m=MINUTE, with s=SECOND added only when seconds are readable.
h=8 m=29
